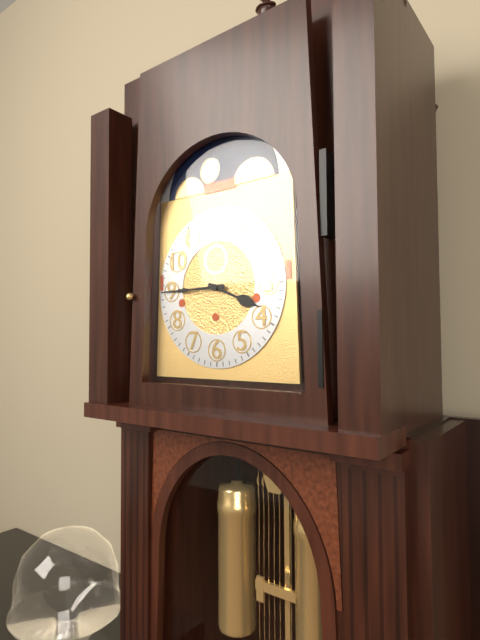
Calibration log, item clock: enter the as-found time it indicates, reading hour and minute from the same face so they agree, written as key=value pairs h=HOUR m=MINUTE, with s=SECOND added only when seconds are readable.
h=3 m=45
